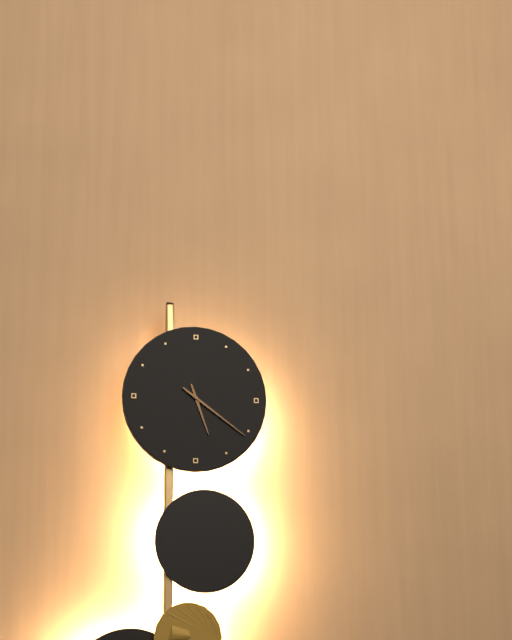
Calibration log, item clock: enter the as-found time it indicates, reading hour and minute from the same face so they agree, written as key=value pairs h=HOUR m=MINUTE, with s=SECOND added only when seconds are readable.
h=5 m=21
